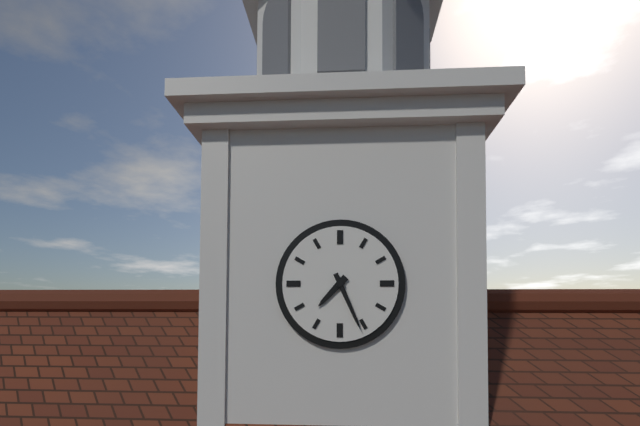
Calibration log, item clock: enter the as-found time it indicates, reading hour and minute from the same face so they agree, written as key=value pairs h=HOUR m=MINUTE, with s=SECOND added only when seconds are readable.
h=7 m=26
